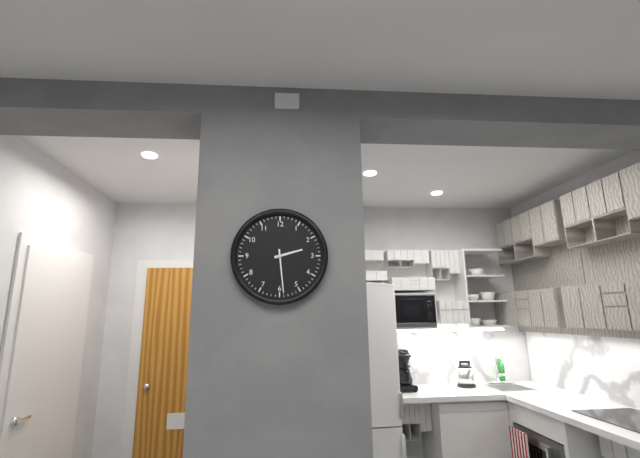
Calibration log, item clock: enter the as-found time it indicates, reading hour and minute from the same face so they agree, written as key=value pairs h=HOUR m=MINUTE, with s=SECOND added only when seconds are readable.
h=2 m=29
